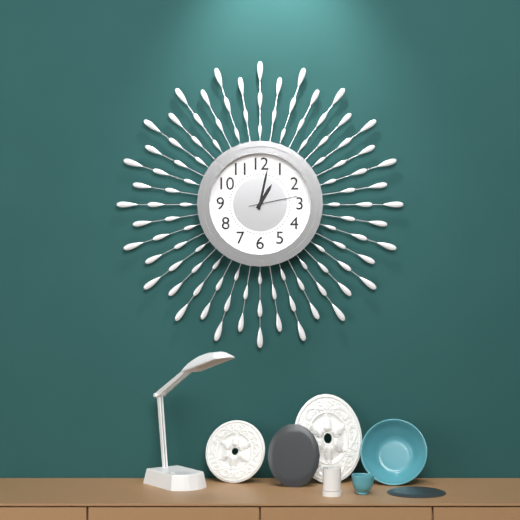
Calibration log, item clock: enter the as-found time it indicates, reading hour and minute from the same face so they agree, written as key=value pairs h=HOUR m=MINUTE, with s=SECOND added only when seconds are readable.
h=1 m=2
